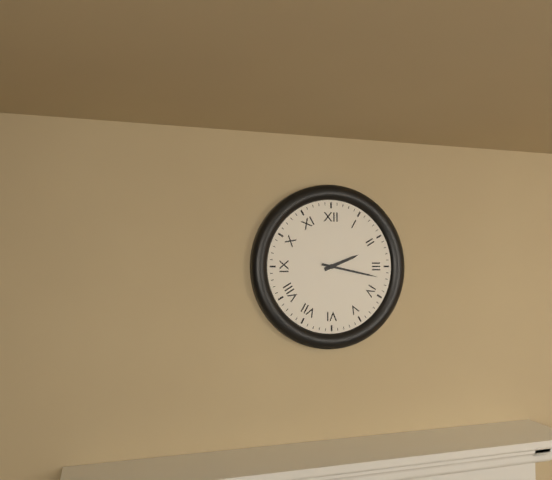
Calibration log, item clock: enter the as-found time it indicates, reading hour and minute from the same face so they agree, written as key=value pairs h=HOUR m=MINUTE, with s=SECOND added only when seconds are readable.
h=2 m=17
